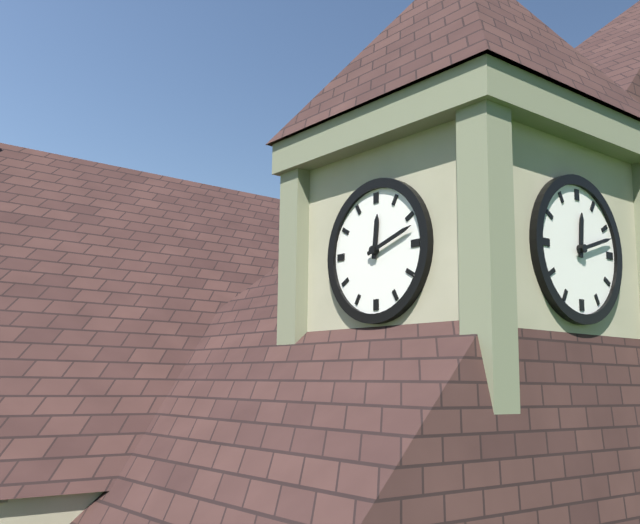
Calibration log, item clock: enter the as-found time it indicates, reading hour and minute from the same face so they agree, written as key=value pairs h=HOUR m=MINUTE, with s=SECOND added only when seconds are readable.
h=12 m=12
